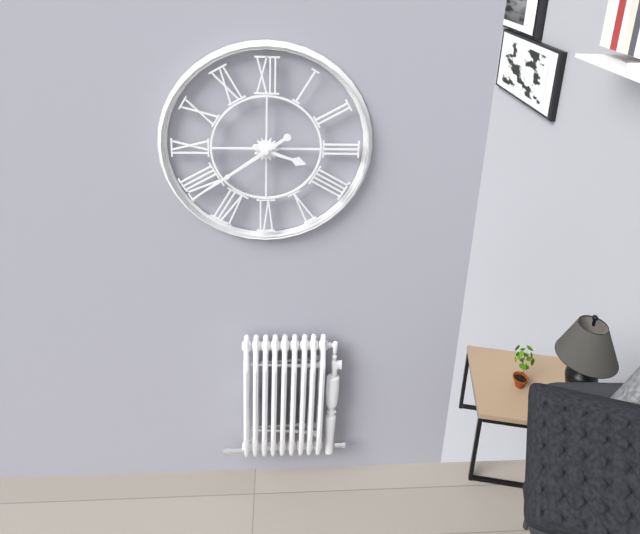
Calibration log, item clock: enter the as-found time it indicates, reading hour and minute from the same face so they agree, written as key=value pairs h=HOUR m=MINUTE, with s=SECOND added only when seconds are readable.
h=3 m=39
